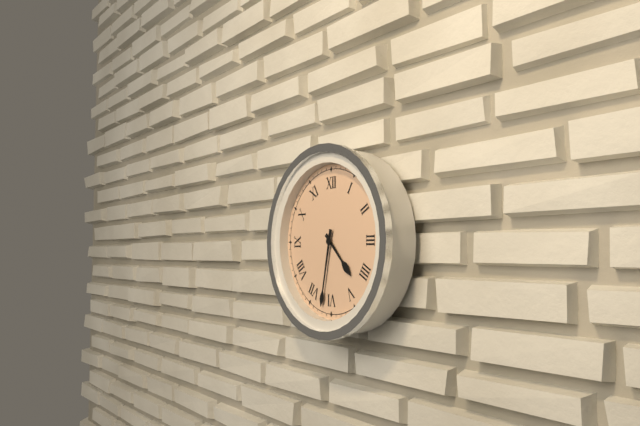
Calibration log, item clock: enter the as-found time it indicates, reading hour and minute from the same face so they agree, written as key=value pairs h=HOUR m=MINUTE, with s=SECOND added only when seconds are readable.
h=4 m=32
